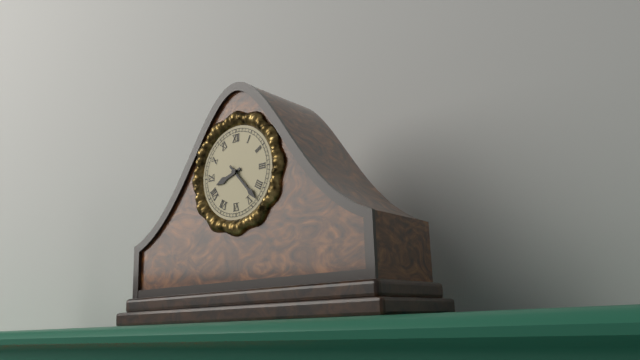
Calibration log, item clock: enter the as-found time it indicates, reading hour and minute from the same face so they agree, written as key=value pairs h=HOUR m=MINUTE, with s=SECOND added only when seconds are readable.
h=8 m=23
